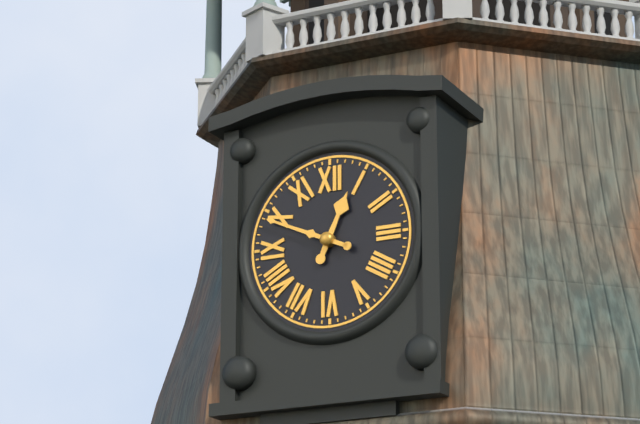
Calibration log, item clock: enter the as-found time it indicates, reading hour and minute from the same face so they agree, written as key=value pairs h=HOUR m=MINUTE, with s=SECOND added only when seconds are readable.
h=12 m=49
